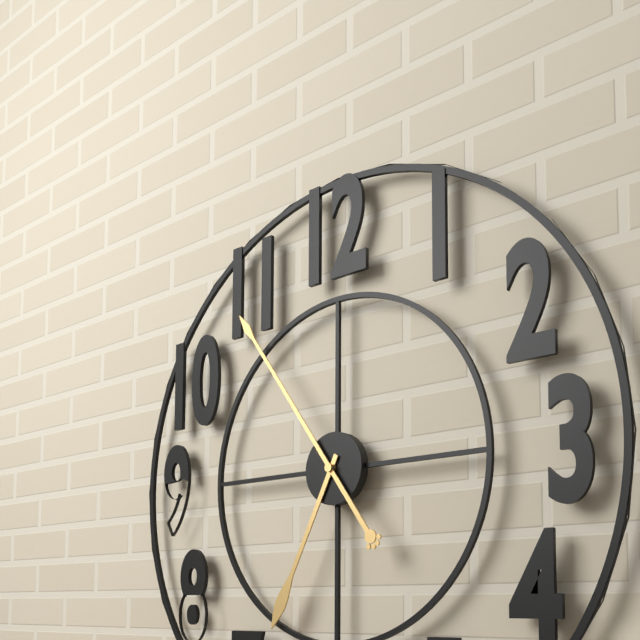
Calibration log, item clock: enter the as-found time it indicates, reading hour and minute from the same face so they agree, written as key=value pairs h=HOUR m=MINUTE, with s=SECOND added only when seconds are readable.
h=6 m=54
